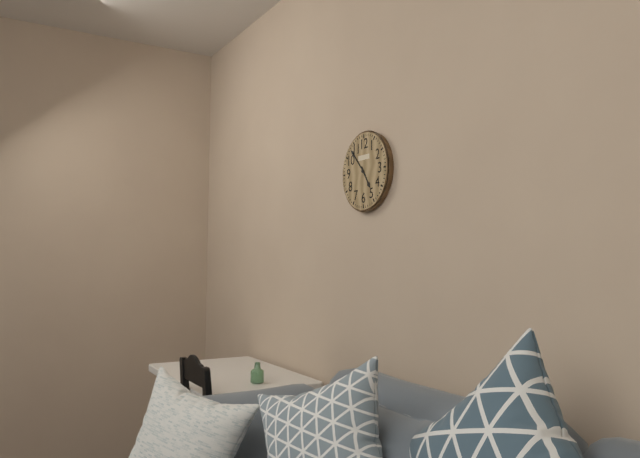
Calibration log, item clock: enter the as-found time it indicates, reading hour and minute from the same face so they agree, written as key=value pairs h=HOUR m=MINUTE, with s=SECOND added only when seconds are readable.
h=4 m=53
